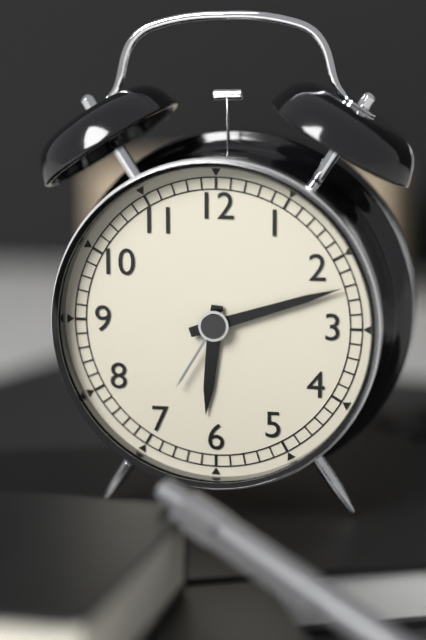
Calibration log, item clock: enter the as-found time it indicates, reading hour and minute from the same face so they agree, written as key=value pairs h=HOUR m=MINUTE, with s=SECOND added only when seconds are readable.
h=6 m=12
